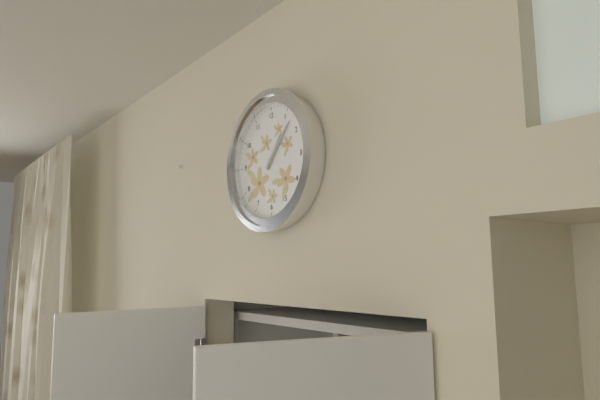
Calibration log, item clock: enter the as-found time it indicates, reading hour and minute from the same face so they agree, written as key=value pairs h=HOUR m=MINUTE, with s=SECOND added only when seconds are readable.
h=1 m=7
